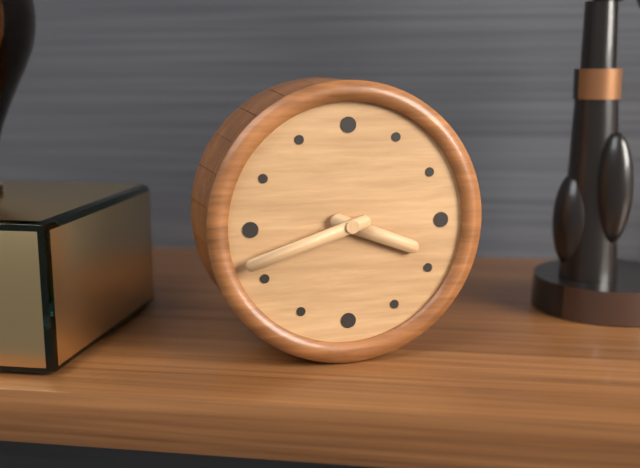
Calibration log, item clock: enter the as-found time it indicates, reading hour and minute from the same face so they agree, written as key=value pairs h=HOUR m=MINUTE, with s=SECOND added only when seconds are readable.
h=3 m=42
